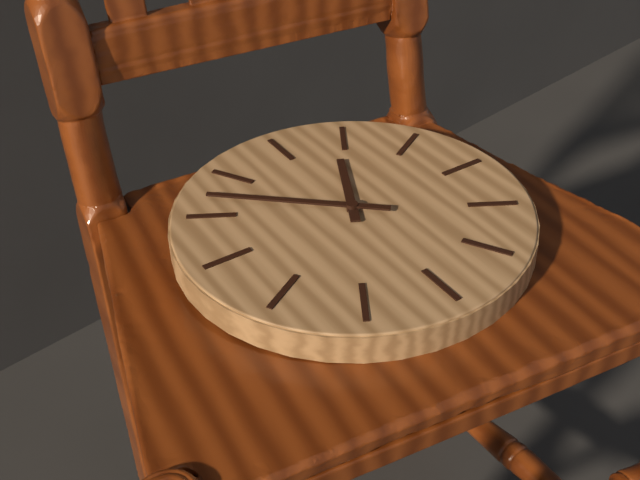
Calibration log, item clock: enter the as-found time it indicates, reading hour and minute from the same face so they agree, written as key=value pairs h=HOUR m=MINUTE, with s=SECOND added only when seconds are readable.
h=12 m=52
